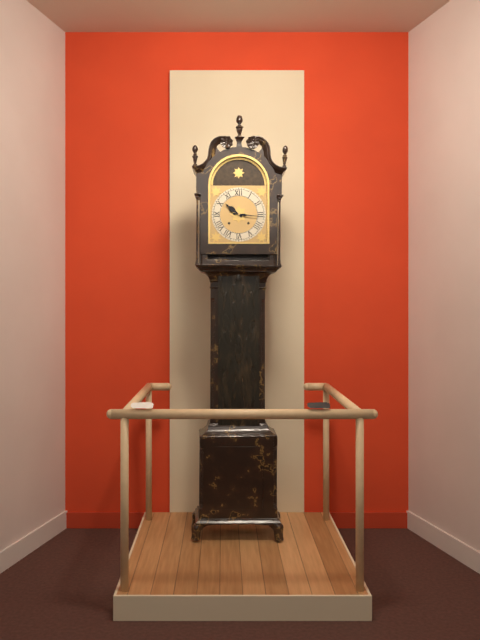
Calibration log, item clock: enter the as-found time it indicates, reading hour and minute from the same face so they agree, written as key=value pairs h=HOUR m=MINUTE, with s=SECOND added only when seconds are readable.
h=10 m=16
